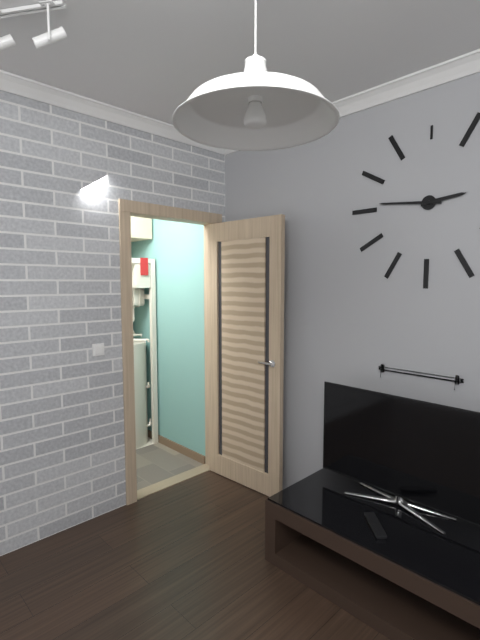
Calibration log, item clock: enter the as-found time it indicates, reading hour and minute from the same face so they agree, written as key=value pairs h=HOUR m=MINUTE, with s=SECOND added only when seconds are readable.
h=2 m=46
